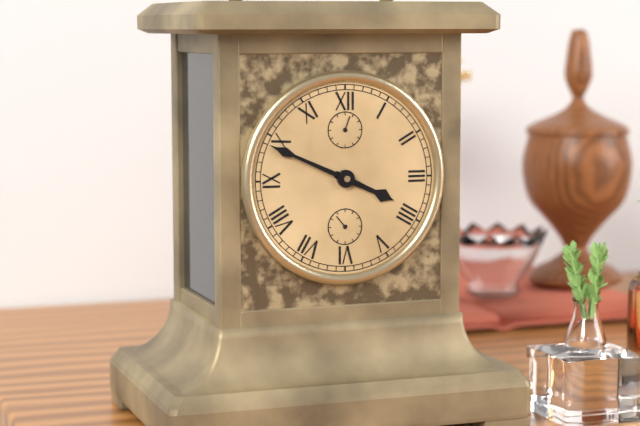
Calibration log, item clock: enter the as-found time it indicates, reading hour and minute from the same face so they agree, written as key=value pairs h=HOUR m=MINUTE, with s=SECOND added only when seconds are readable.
h=3 m=49
